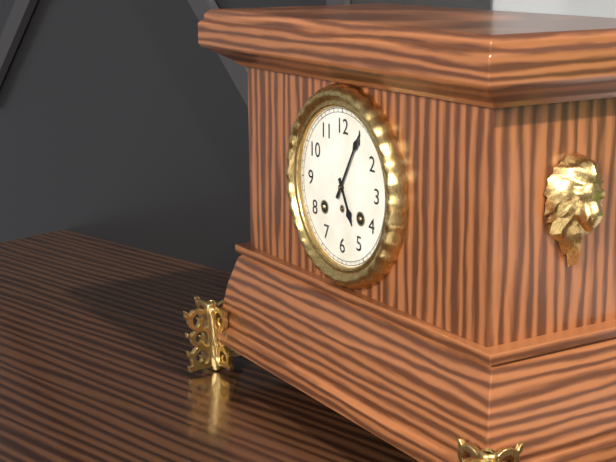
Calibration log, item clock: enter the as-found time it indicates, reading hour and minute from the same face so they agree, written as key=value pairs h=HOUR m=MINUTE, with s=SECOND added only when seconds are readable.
h=5 m=5
